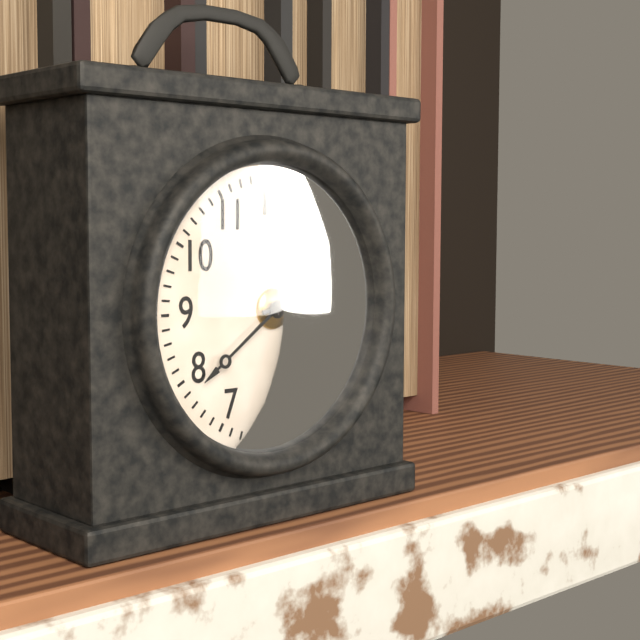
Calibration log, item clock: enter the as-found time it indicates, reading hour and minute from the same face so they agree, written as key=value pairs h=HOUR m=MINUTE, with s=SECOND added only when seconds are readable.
h=2 m=39
